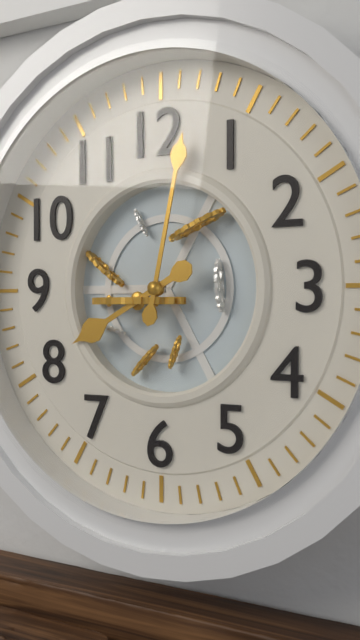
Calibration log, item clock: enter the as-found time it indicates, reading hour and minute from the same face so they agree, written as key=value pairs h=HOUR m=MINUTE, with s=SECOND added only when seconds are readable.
h=8 m=2
